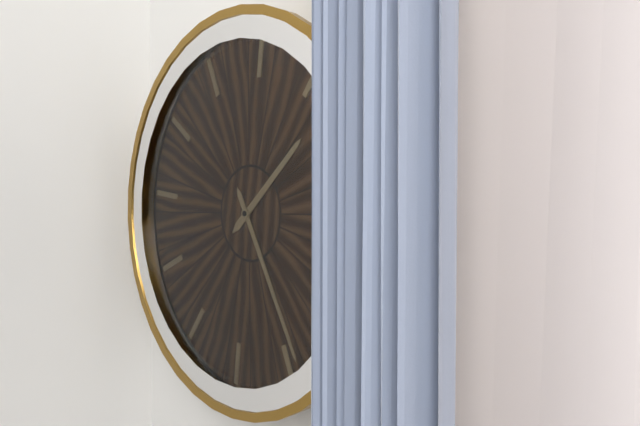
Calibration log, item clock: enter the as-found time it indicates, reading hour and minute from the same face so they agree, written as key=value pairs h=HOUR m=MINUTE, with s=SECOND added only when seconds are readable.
h=1 m=24
